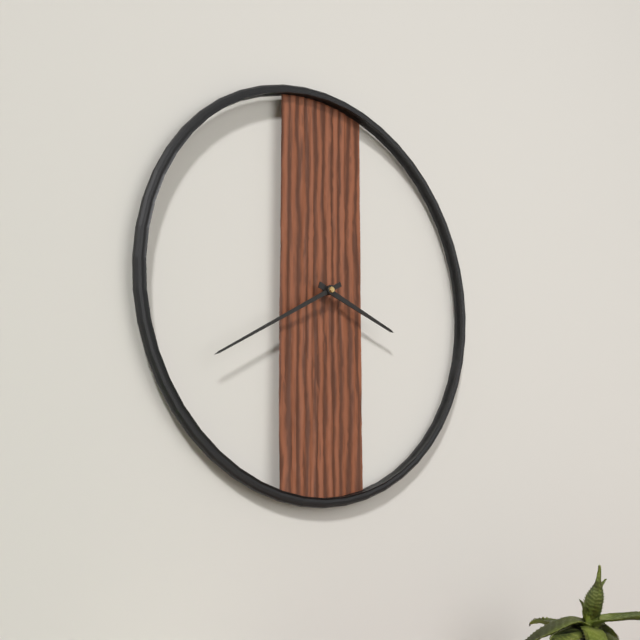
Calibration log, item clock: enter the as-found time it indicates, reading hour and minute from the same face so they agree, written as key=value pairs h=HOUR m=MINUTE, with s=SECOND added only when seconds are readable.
h=3 m=40
